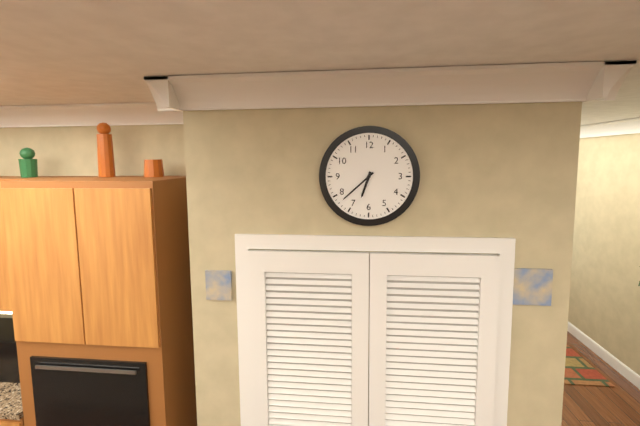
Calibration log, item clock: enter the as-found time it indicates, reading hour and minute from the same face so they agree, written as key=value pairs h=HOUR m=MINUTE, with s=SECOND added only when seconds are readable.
h=6 m=38
